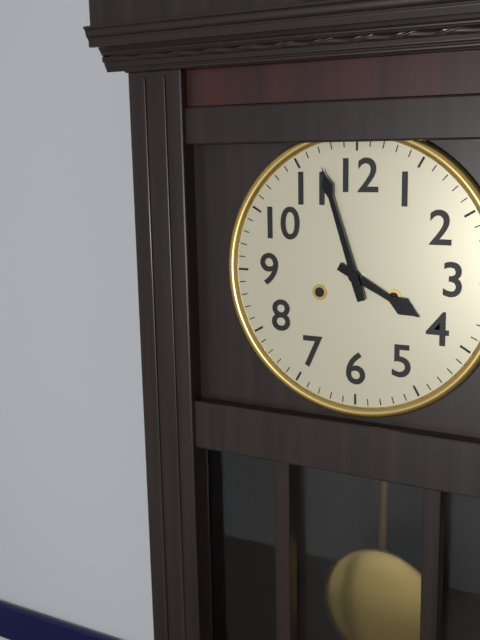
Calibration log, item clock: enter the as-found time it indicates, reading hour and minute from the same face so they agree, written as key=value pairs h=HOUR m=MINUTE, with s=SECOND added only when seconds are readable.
h=3 m=57
